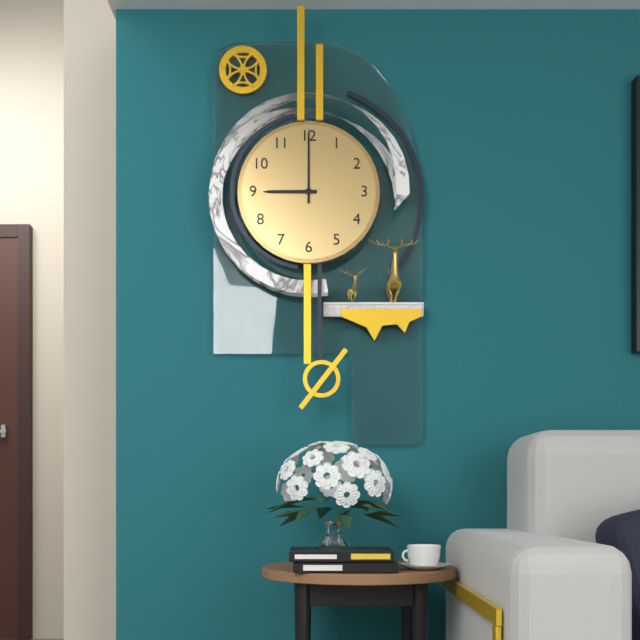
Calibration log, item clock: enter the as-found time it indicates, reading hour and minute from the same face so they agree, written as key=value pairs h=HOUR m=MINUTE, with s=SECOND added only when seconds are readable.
h=9 m=0
